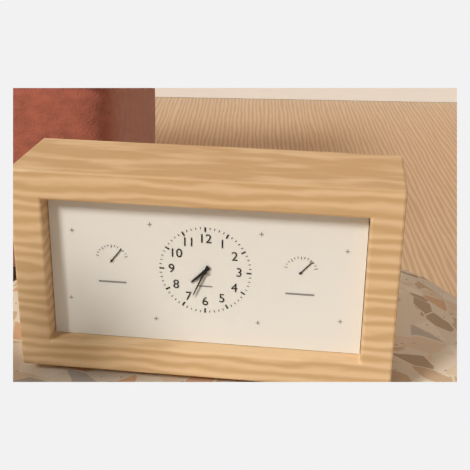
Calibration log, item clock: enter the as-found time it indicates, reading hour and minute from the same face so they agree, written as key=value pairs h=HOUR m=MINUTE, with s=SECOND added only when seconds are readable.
h=7 m=34
